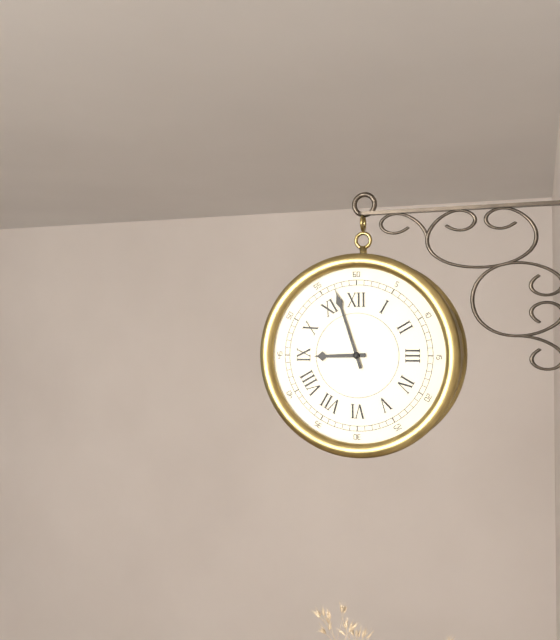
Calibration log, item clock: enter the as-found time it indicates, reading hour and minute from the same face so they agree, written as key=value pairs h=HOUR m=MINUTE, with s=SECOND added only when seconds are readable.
h=8 m=57
